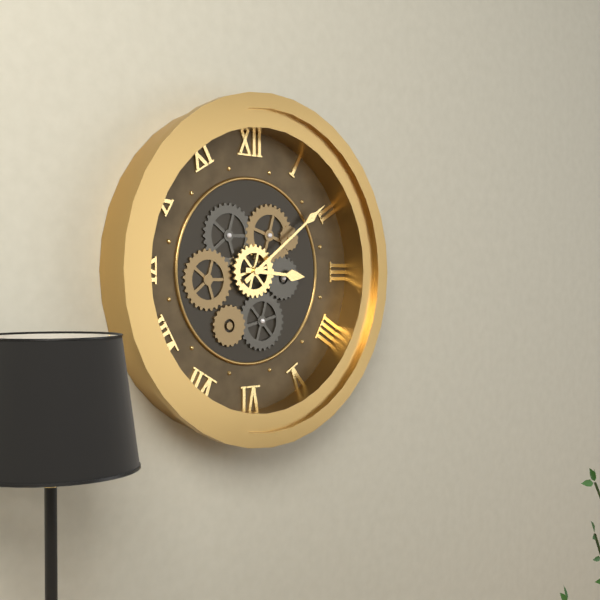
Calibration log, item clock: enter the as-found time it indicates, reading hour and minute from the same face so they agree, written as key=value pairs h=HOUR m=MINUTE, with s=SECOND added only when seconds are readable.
h=3 m=9
